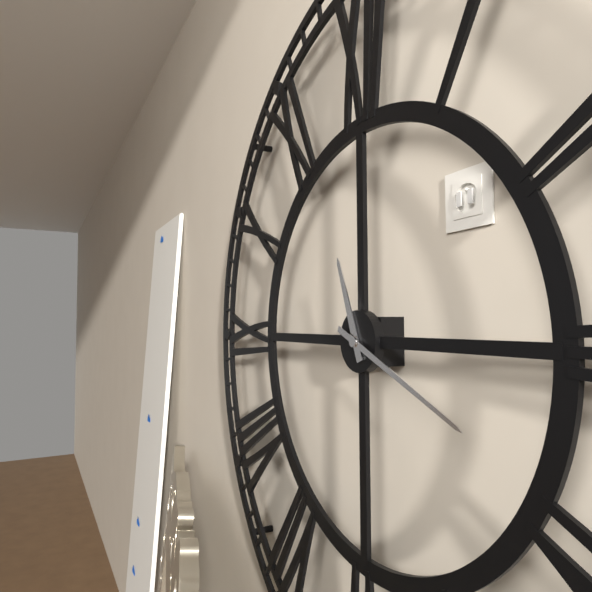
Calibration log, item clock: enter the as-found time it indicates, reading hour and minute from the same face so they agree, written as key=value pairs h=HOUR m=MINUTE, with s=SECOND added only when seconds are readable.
h=11 m=19
